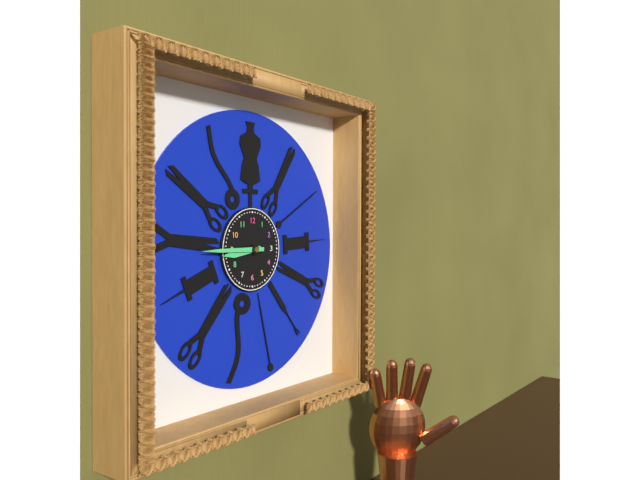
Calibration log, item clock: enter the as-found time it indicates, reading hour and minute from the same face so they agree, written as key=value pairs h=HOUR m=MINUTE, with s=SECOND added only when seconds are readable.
h=8 m=45
